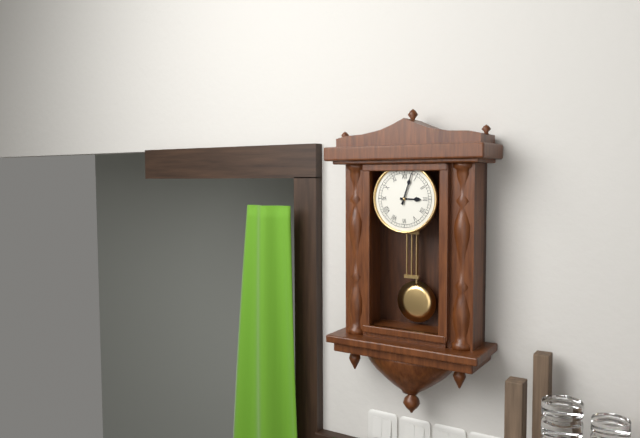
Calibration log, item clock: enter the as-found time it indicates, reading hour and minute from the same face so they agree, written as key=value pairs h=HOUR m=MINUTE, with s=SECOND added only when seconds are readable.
h=3 m=3
